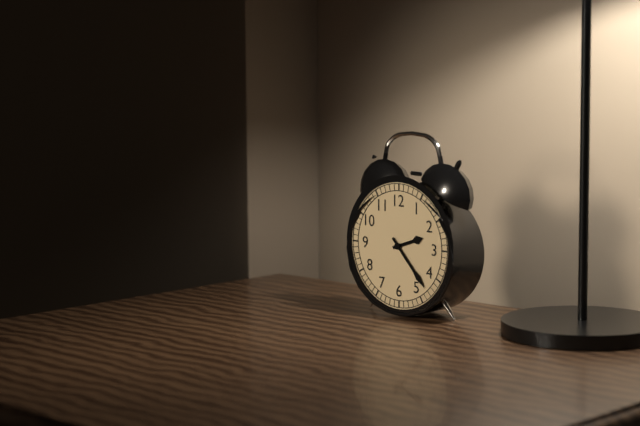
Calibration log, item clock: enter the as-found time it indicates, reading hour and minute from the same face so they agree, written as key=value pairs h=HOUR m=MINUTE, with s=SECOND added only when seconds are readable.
h=2 m=23
